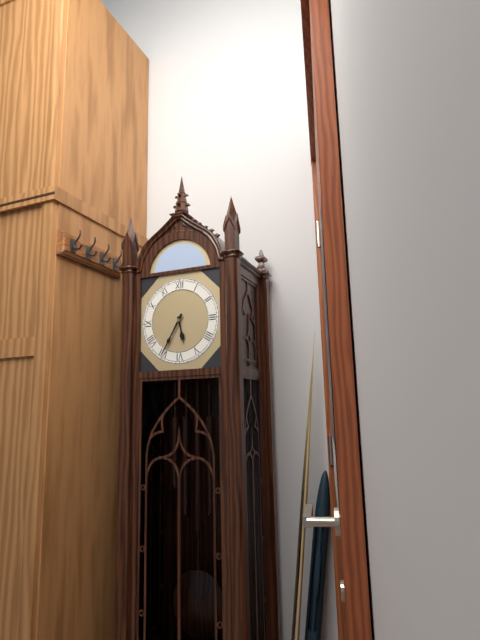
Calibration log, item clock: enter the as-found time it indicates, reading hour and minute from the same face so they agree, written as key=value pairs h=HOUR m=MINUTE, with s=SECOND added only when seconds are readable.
h=5 m=35
